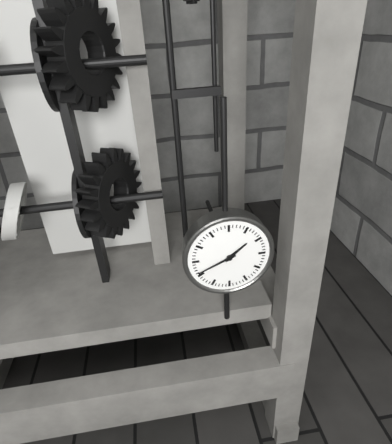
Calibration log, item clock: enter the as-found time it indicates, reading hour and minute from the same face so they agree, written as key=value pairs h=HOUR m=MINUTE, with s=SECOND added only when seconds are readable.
h=1 m=41
